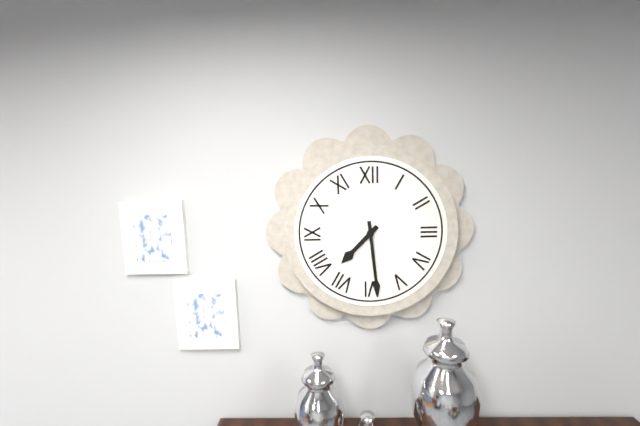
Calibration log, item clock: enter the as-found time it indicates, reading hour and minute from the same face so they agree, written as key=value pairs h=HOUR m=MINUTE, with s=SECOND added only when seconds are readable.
h=7 m=29
